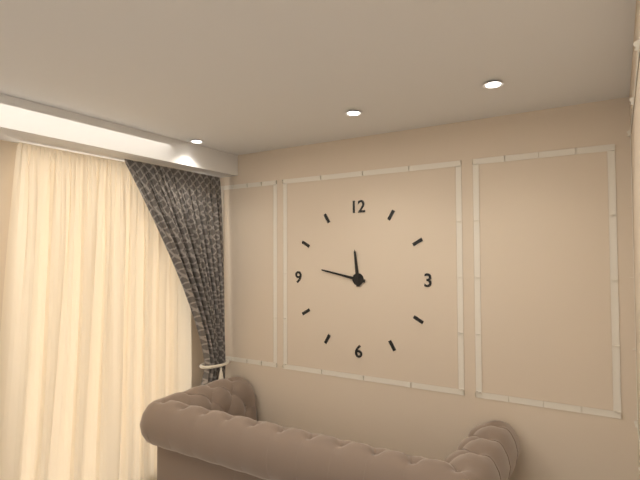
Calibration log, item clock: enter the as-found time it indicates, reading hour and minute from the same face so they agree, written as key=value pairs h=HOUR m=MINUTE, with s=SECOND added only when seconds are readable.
h=11 m=47
